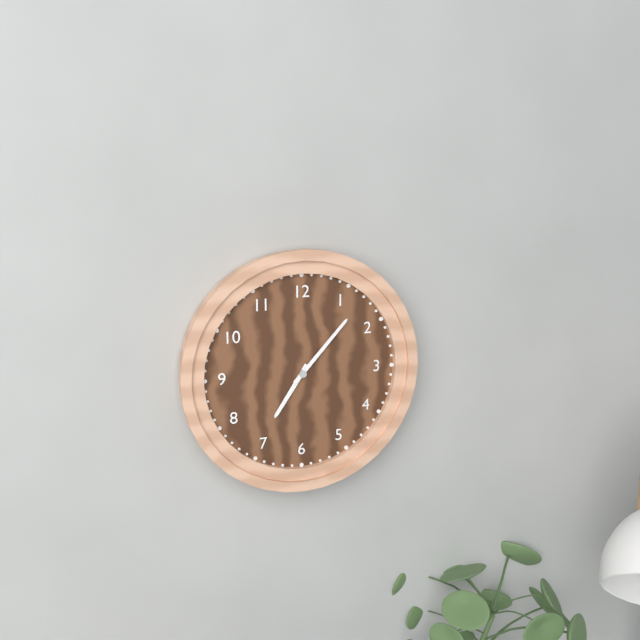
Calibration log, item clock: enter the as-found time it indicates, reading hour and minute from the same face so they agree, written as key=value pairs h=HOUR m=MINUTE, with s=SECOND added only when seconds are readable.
h=7 m=7
